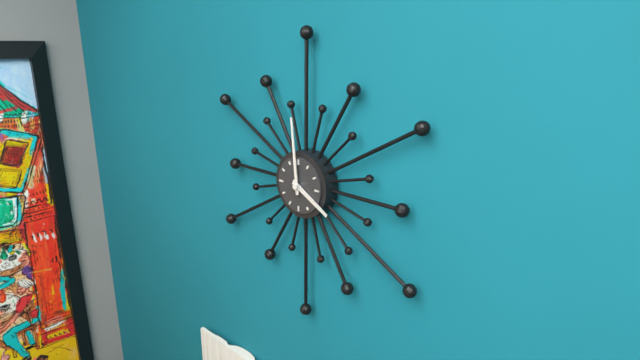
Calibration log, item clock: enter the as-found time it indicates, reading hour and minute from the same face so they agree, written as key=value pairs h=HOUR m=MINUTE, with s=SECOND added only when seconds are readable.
h=3 m=59
